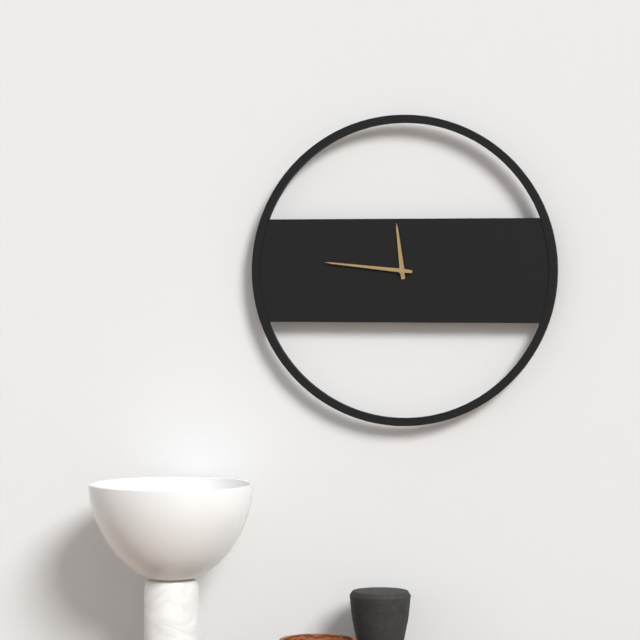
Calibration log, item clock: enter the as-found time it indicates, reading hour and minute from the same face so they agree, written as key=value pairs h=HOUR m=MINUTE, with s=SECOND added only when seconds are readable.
h=11 m=46
